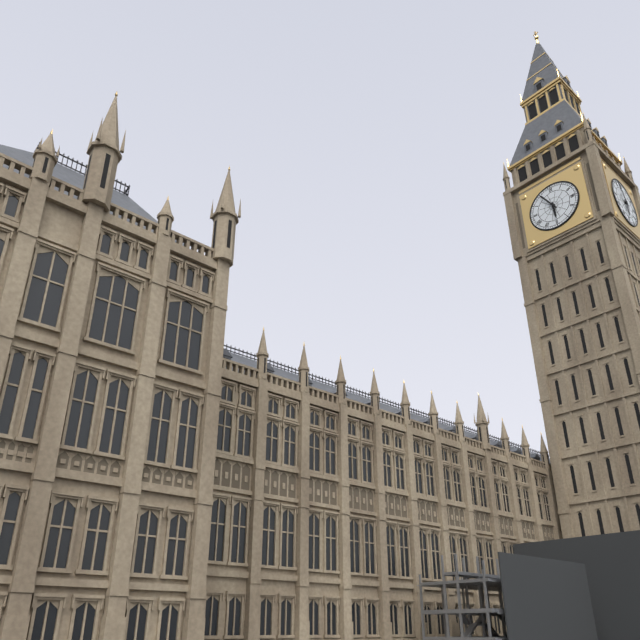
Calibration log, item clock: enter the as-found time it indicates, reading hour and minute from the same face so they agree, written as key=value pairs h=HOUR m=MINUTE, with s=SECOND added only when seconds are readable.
h=5 m=55
